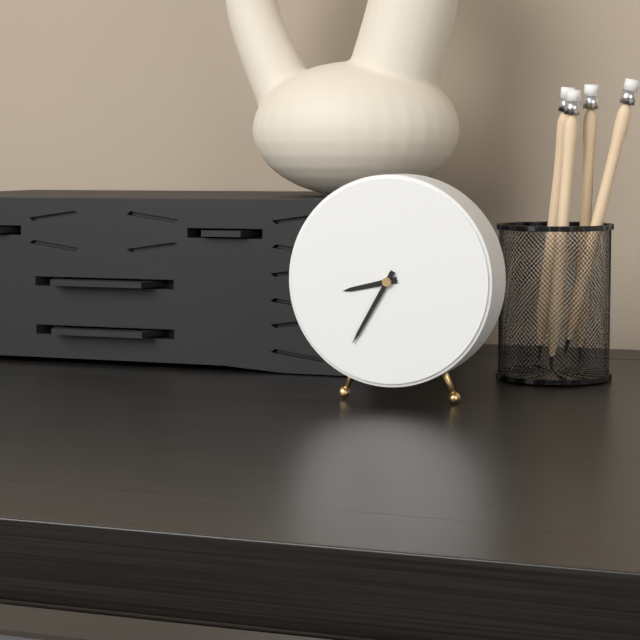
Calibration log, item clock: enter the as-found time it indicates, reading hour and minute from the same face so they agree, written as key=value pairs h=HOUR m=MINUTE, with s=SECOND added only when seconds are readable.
h=8 m=35
